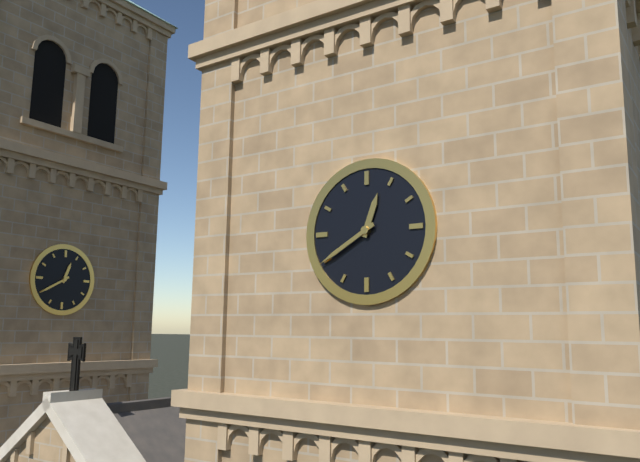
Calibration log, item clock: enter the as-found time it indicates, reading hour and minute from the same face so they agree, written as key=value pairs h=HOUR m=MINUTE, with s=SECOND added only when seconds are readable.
h=12 m=40
